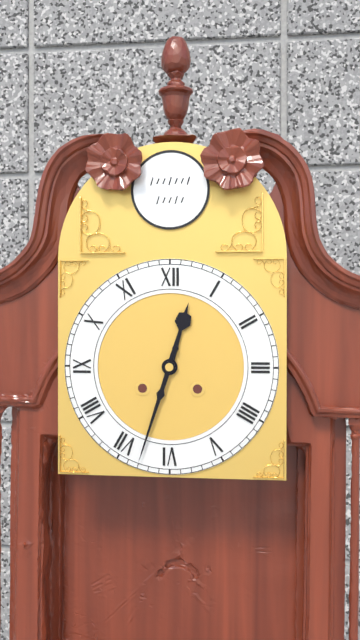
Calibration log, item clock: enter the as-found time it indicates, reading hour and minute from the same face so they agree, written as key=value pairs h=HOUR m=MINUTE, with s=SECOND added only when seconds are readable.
h=12 m=33
